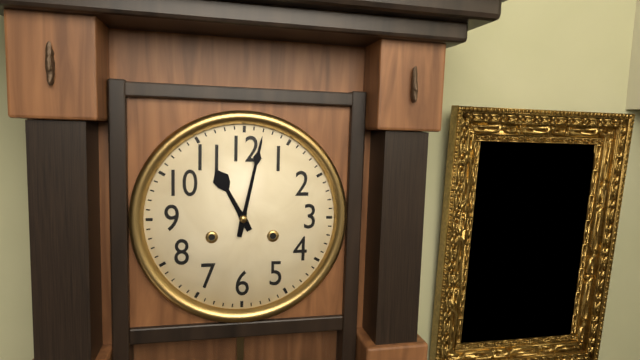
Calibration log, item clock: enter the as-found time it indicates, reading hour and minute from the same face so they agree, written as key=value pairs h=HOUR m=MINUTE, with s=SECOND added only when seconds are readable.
h=11 m=2
